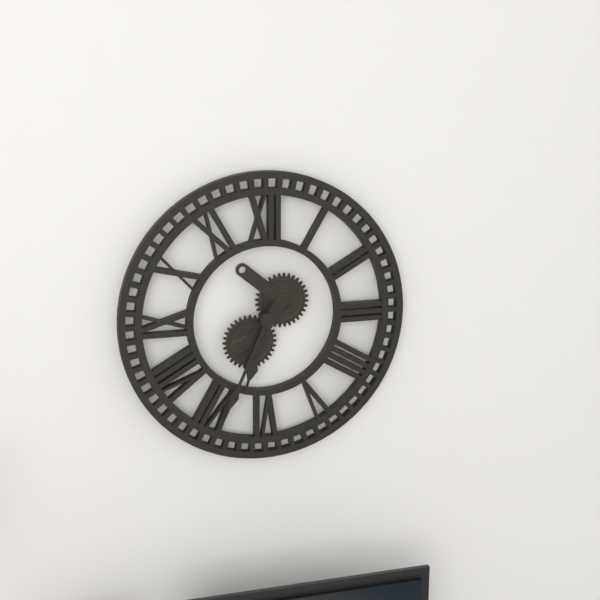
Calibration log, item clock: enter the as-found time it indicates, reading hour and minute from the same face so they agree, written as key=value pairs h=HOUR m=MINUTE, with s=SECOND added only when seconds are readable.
h=6 m=34
